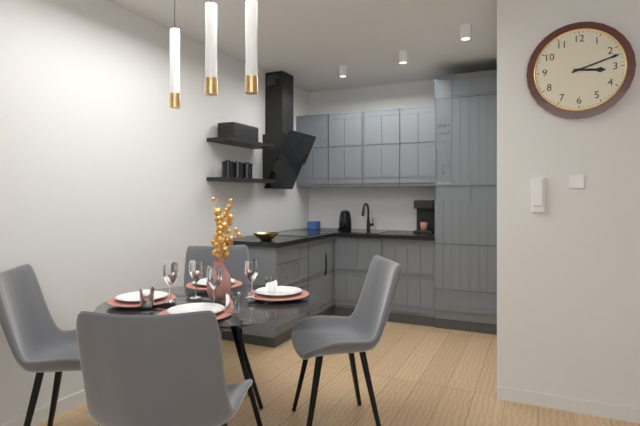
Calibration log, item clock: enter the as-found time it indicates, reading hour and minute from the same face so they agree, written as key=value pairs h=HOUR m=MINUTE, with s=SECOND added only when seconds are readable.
h=3 m=12
